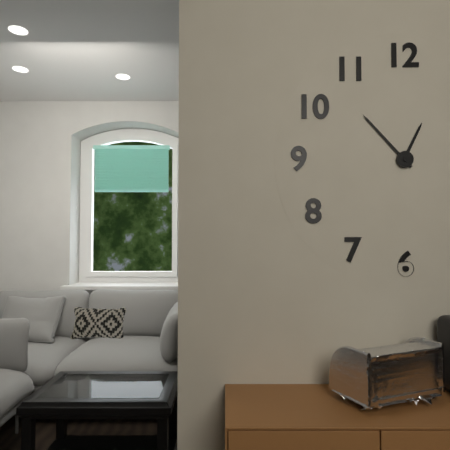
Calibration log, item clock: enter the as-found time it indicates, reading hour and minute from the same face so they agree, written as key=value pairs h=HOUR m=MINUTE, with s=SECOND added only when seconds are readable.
h=12 m=53
